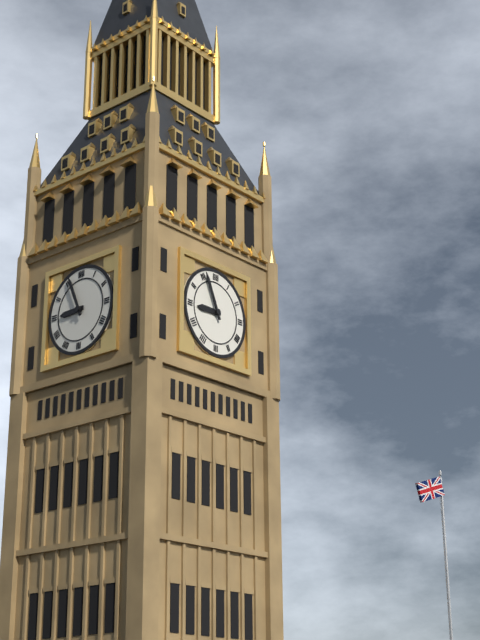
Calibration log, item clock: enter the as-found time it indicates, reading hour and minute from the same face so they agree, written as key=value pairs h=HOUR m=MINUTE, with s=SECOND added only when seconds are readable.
h=8 m=56
